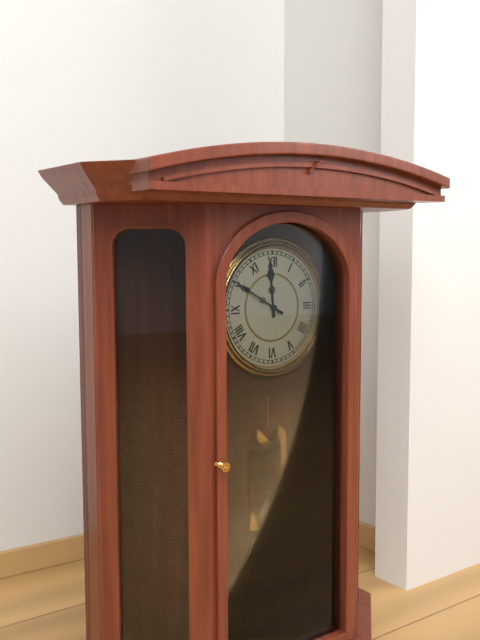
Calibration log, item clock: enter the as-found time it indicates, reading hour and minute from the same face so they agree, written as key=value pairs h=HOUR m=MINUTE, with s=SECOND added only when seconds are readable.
h=11 m=50
